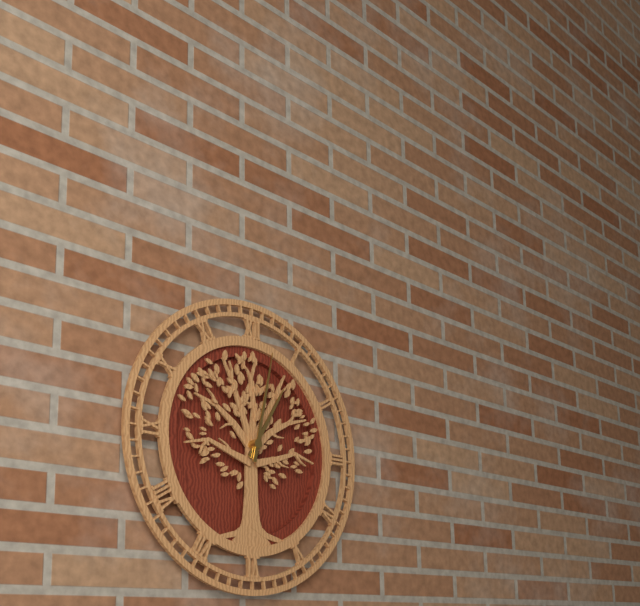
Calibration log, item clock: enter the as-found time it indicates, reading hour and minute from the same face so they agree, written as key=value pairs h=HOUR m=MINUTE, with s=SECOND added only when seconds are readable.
h=1 m=2
